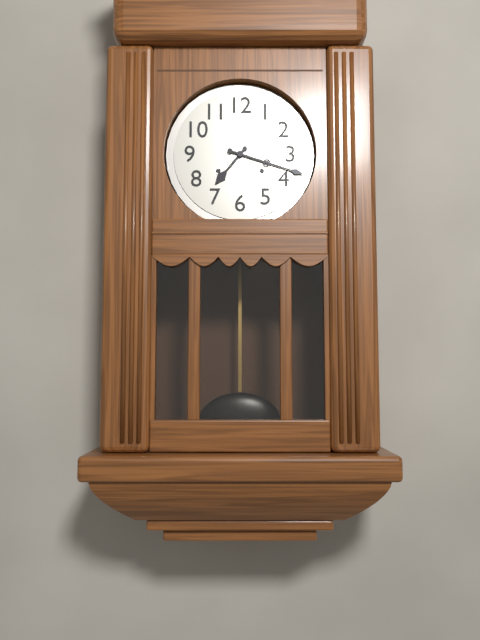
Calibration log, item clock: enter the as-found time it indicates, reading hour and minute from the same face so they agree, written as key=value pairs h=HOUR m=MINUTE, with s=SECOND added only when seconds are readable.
h=7 m=18
